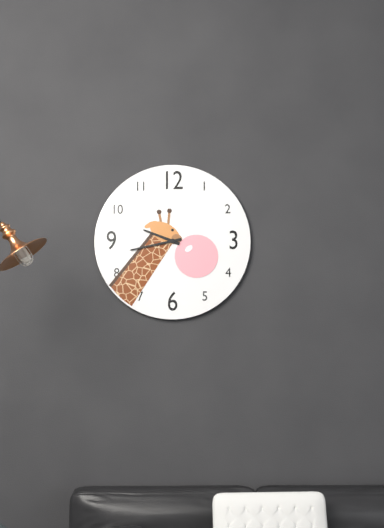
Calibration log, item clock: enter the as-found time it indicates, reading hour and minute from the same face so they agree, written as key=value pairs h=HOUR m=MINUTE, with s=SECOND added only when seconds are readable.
h=9 m=43
